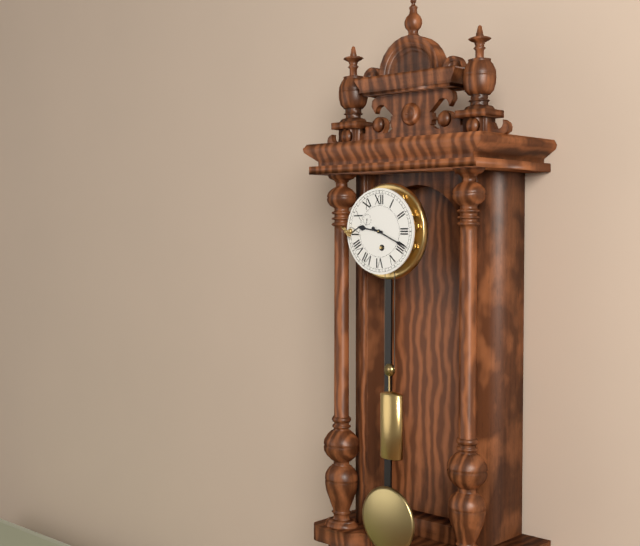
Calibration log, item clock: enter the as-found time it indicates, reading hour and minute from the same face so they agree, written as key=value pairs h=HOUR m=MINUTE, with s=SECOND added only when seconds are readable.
h=9 m=19
